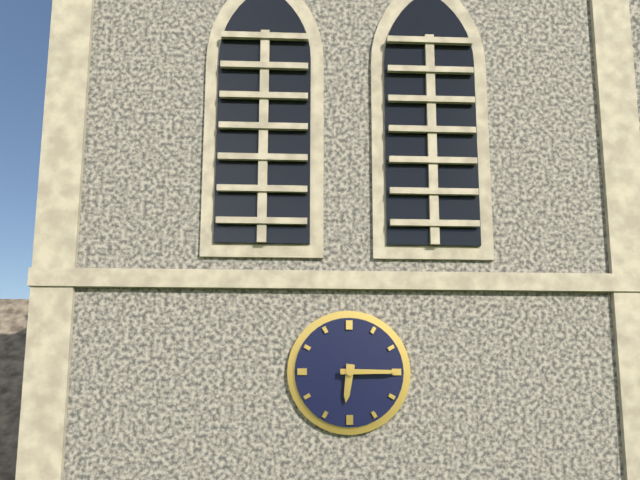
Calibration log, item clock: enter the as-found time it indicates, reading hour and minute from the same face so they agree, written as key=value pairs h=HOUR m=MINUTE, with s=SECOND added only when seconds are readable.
h=6 m=15
